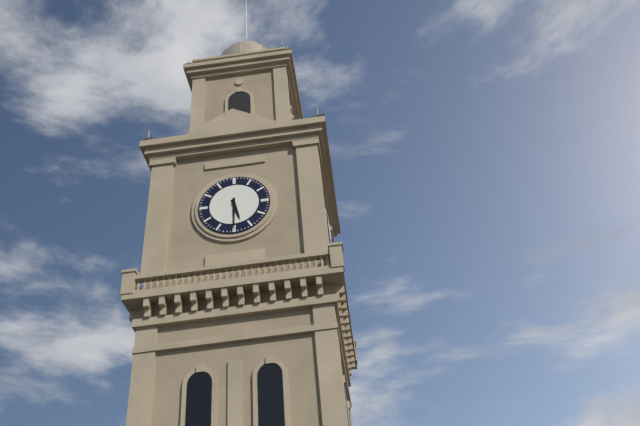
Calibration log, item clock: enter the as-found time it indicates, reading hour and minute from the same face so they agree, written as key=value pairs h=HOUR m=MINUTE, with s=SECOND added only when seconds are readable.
h=5 m=30
